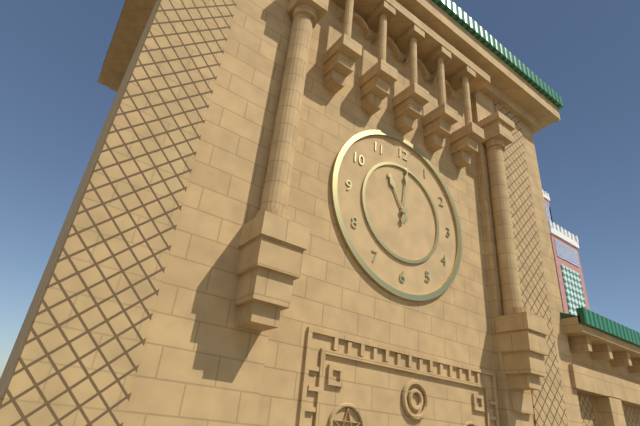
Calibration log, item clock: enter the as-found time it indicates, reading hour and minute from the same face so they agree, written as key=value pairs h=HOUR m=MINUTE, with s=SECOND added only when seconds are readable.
h=11 m=1
